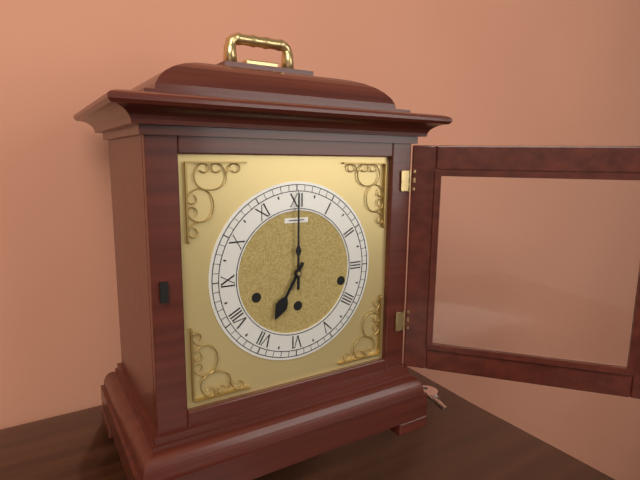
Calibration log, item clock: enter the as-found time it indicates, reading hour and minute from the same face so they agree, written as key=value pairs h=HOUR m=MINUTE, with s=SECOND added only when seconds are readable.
h=7 m=0
